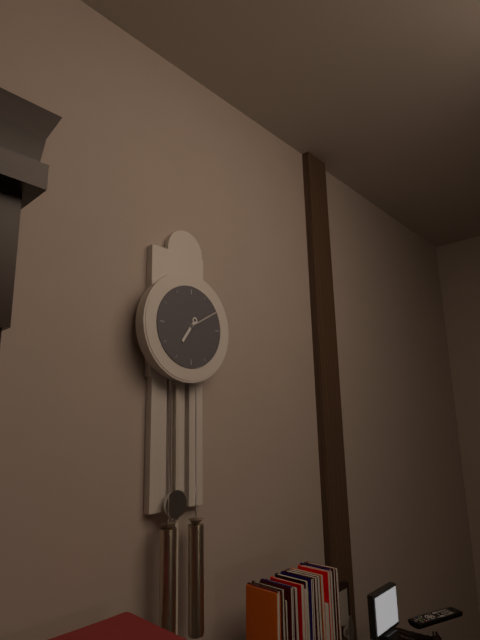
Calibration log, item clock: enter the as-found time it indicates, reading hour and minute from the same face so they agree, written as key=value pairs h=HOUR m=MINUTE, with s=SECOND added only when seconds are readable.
h=7 m=10
